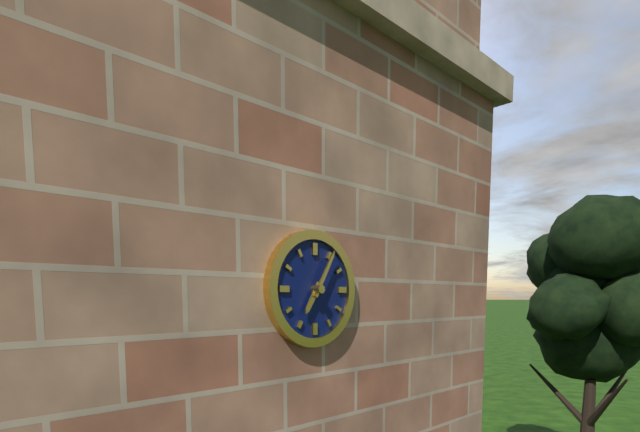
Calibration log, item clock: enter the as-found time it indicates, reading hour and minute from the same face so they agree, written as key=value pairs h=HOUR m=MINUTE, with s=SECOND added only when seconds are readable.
h=7 m=5
